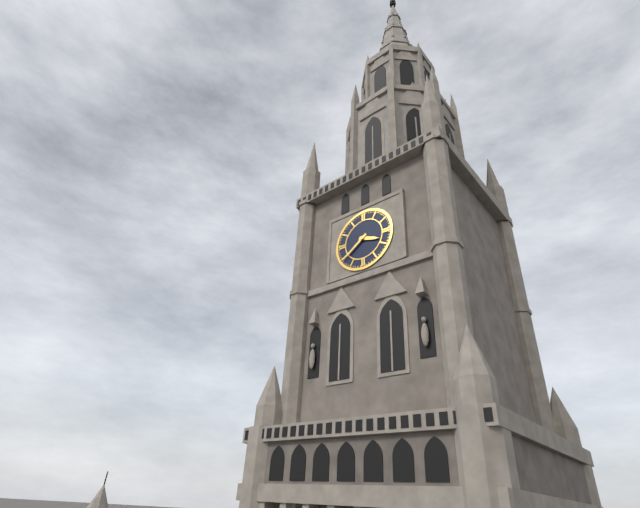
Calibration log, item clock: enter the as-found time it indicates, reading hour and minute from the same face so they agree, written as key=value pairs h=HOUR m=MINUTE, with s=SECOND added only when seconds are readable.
h=3 m=39
